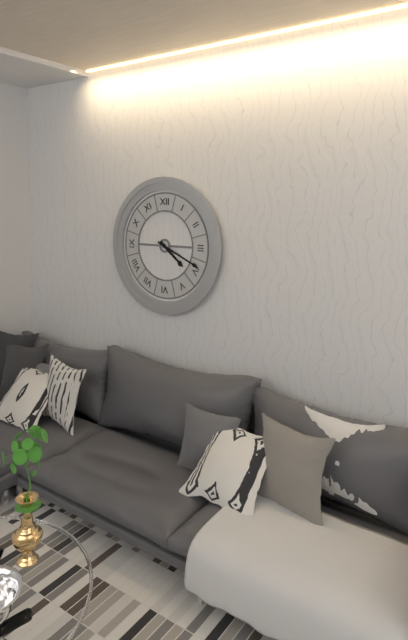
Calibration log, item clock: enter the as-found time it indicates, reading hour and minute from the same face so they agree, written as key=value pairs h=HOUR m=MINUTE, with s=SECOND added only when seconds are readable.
h=4 m=19
